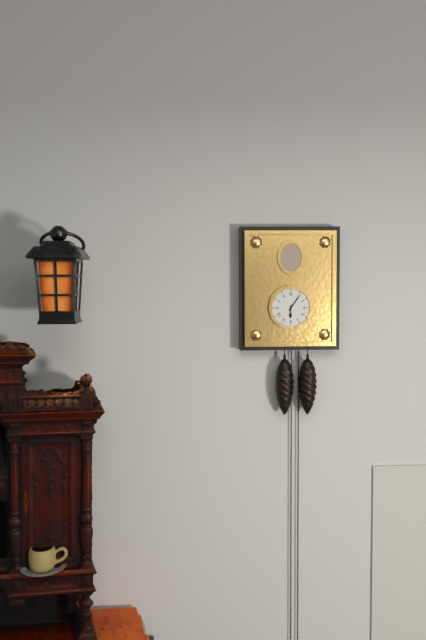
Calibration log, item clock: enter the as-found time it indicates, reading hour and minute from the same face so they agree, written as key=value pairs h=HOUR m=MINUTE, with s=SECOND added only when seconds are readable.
h=6 m=6
